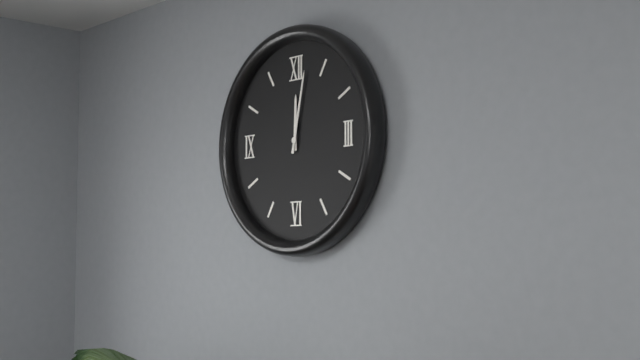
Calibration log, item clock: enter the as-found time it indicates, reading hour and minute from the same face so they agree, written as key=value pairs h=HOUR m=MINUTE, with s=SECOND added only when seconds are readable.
h=12 m=2
